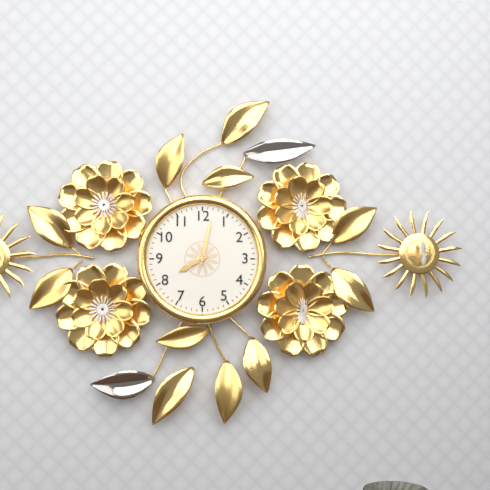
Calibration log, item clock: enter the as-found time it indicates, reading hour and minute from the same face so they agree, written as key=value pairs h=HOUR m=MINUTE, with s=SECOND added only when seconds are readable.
h=8 m=2
